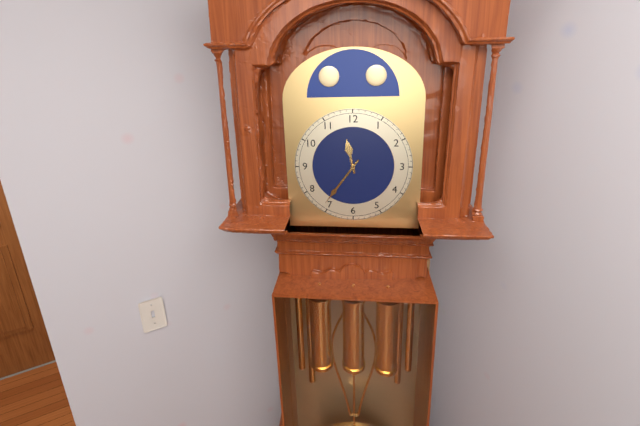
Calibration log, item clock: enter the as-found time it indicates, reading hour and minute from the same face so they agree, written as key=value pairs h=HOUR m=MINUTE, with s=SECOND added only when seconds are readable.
h=11 m=36
